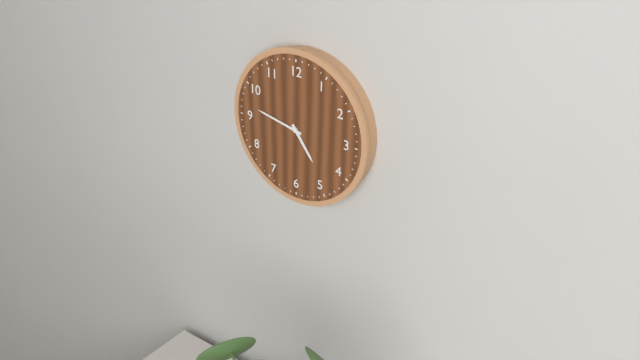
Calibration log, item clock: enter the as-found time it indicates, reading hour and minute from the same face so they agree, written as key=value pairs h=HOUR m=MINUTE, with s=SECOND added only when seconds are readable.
h=4 m=47
